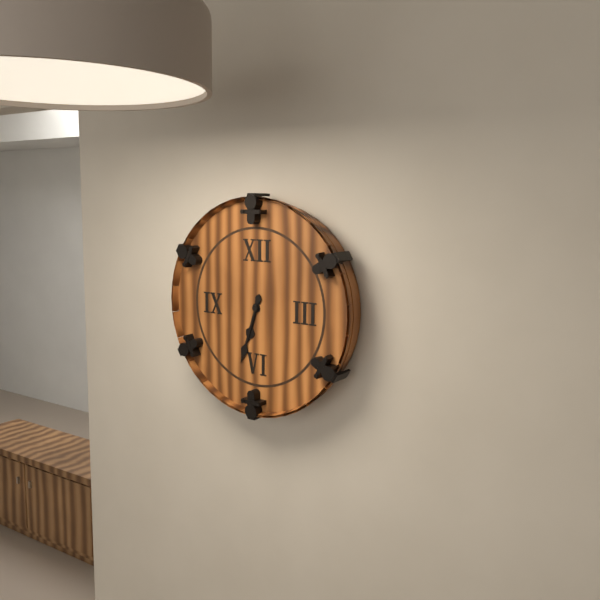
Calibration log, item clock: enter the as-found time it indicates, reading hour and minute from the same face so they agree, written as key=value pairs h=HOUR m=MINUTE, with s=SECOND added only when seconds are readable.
h=6 m=33
